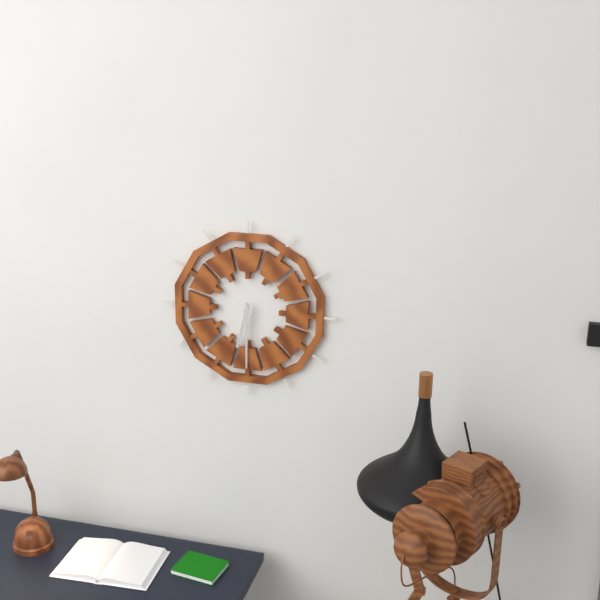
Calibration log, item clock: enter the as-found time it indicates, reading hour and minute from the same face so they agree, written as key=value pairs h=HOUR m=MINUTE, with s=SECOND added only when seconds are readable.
h=6 m=30
